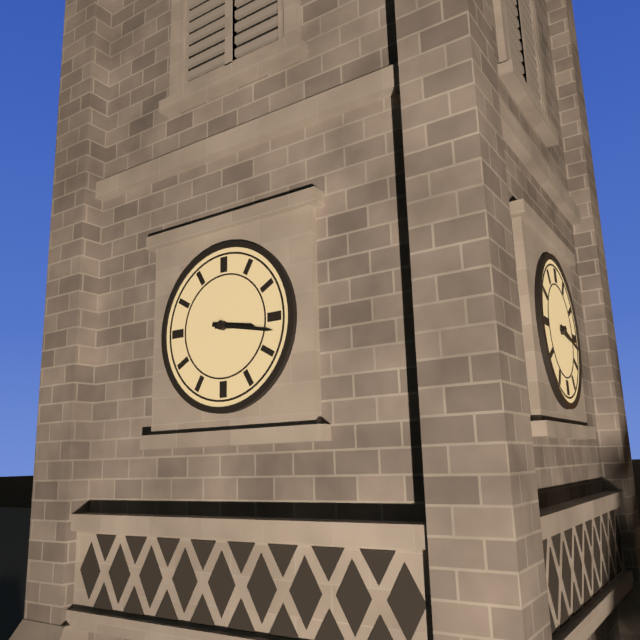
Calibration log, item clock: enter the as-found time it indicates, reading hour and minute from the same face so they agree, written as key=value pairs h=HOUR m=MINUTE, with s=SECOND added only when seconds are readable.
h=3 m=17
